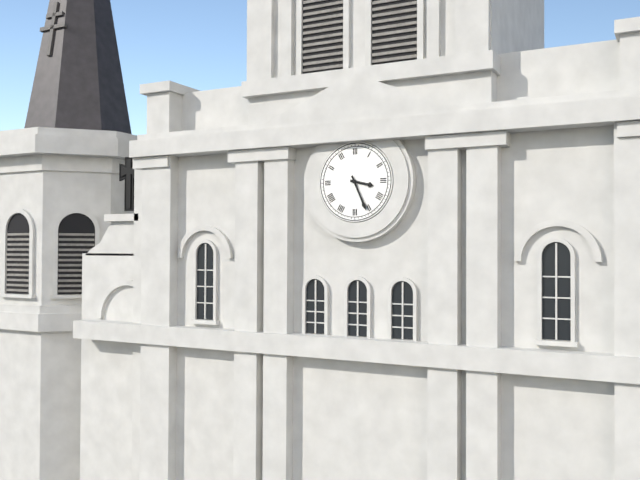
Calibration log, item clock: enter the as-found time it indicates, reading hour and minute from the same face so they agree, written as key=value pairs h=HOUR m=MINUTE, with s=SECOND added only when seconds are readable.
h=3 m=26
